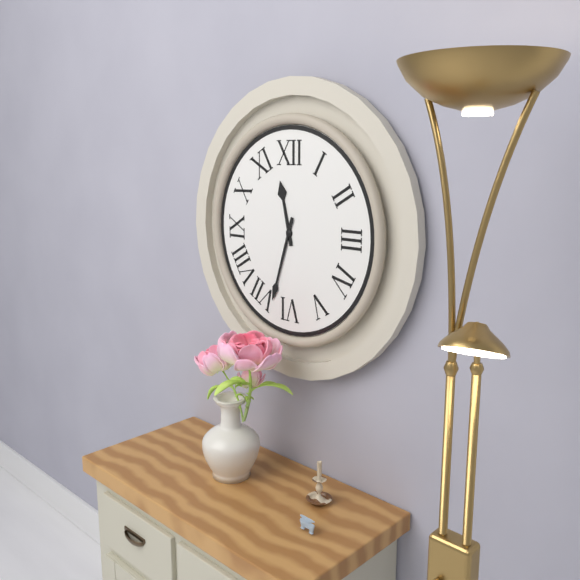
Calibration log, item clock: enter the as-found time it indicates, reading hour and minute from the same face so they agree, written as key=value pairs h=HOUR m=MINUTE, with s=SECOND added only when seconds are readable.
h=11 m=33
